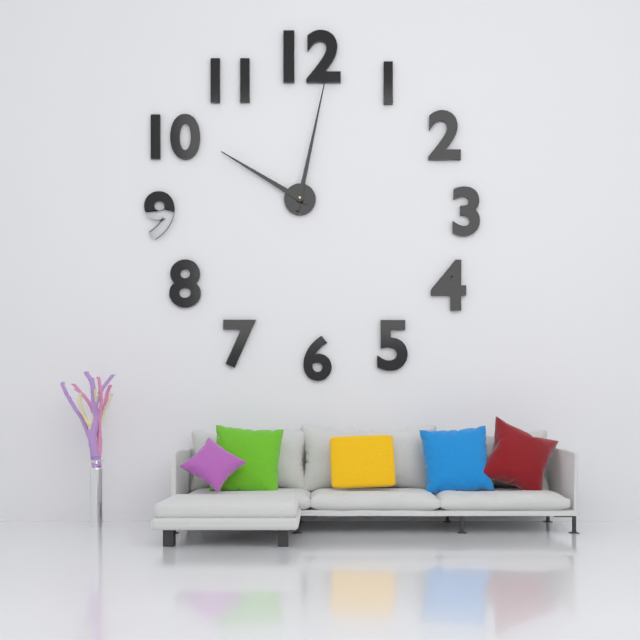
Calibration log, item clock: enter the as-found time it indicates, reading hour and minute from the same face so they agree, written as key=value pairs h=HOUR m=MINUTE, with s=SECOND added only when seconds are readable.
h=10 m=2
